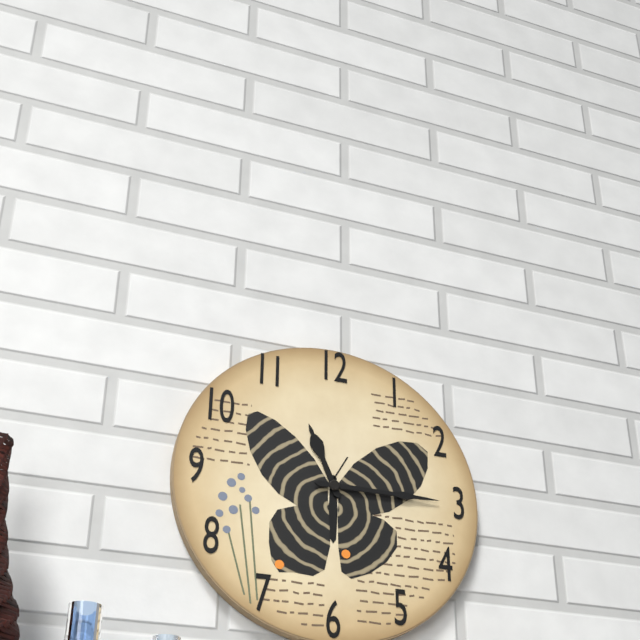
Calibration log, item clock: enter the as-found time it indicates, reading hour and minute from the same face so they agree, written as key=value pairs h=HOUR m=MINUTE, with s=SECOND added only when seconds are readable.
h=11 m=15
